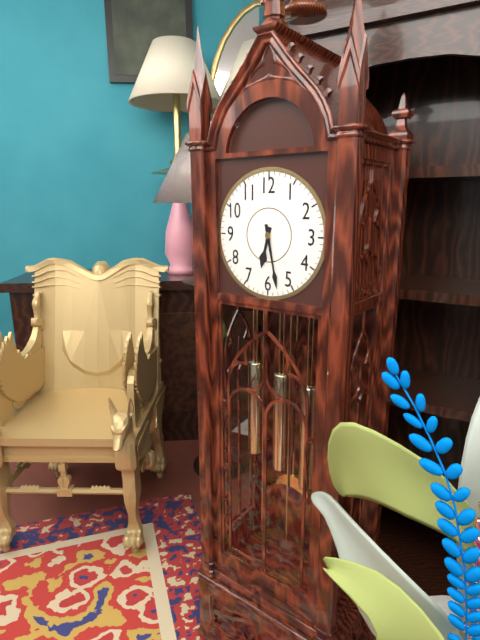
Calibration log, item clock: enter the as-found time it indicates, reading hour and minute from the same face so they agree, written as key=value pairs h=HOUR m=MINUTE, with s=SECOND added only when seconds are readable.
h=6 m=28
